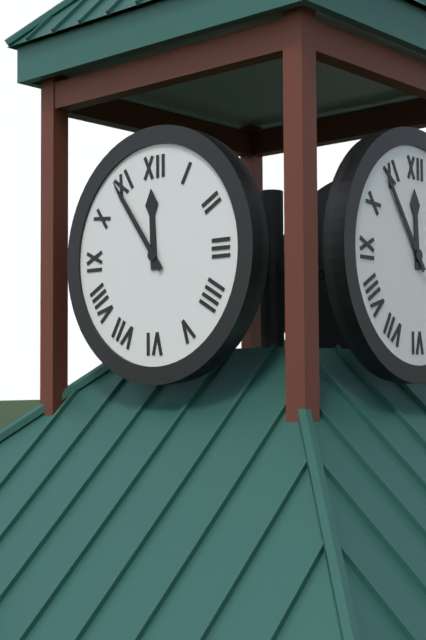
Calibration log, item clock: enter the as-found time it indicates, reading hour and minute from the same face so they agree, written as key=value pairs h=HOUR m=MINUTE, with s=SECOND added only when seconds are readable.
h=11 m=54
